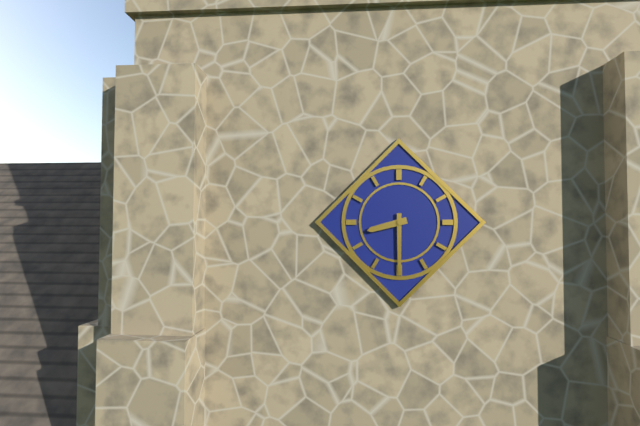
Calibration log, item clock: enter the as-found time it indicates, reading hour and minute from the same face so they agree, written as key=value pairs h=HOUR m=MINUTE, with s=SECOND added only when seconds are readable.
h=8 m=30
